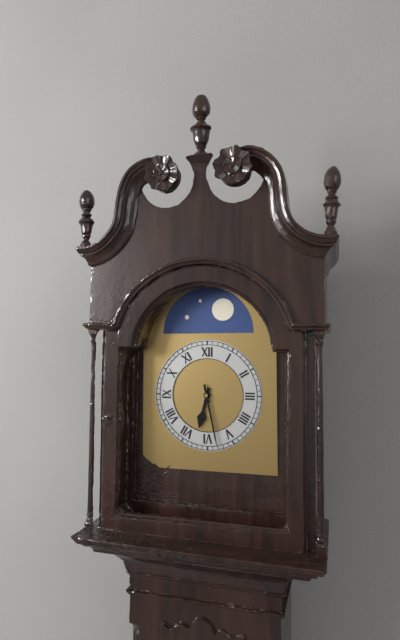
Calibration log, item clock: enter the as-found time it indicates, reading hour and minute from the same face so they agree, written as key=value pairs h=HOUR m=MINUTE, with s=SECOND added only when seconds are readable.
h=6 m=28
